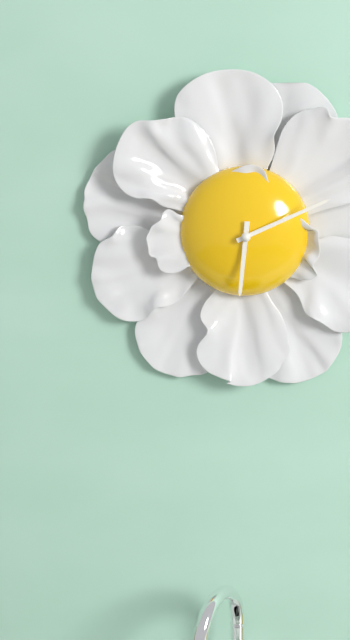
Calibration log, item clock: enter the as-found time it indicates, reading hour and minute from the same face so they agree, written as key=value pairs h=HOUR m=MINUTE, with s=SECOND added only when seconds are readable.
h=6 m=11
